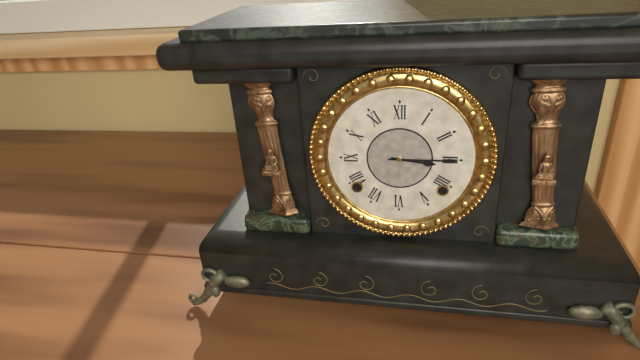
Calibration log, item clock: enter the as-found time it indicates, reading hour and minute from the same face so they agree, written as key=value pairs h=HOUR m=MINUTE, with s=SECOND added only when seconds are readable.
h=3 m=15
